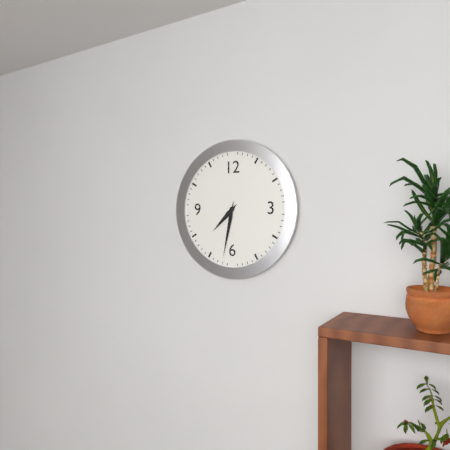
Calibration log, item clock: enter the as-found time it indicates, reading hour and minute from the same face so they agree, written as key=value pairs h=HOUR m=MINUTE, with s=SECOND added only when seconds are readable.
h=7 m=32
